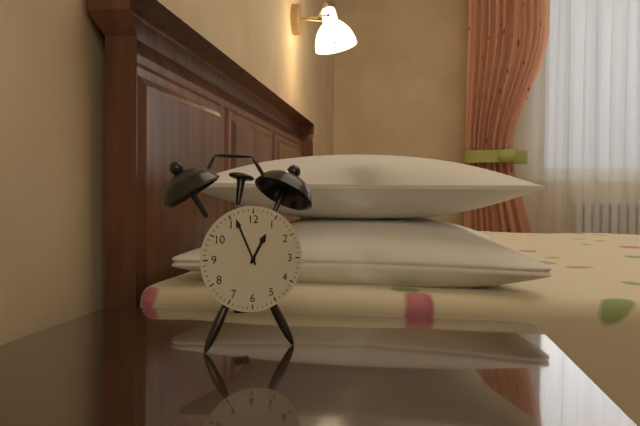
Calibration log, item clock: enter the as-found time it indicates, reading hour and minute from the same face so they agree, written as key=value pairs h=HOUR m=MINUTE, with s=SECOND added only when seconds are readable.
h=12 m=56
